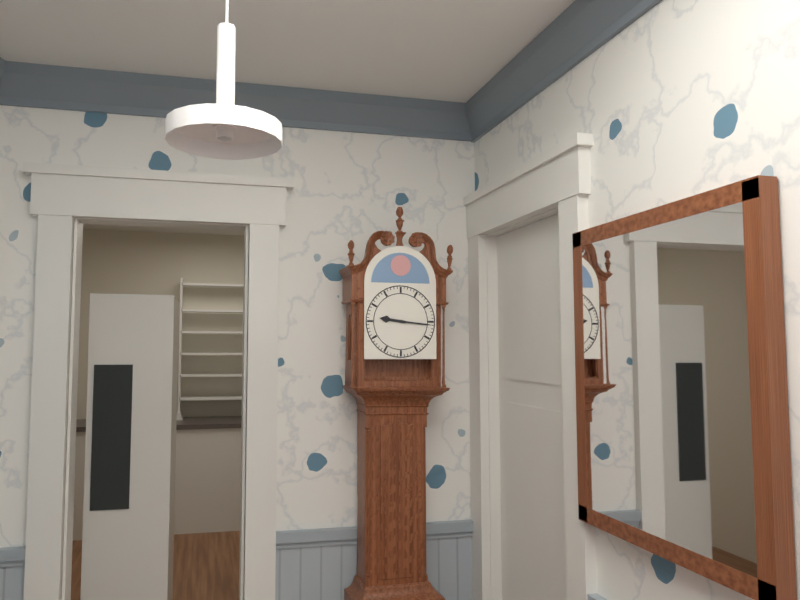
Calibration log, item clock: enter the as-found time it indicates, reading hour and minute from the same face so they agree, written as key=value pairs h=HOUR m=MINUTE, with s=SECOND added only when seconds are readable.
h=9 m=16
